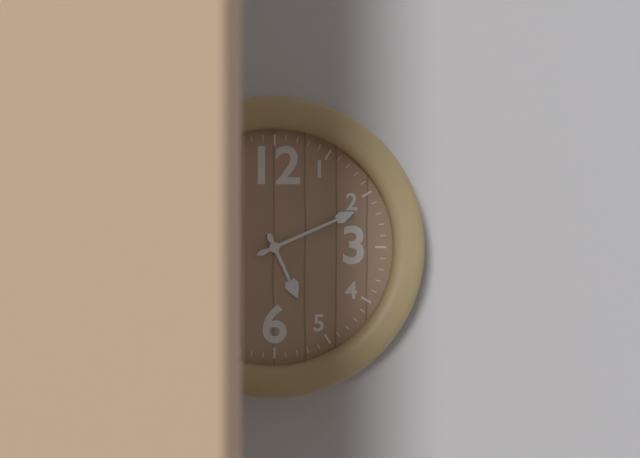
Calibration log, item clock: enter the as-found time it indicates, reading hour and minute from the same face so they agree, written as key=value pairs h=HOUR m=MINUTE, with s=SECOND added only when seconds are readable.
h=5 m=11
